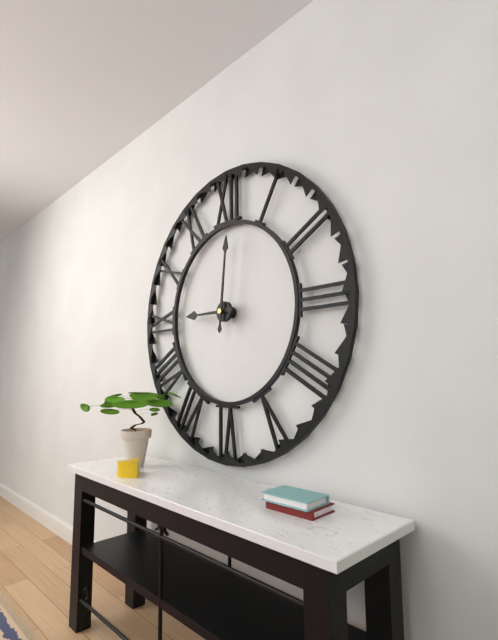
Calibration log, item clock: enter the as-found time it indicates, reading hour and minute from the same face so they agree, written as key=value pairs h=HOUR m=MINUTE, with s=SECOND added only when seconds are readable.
h=9 m=1
